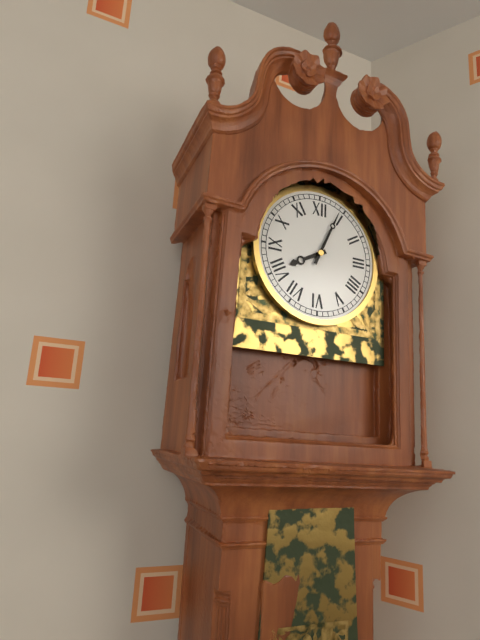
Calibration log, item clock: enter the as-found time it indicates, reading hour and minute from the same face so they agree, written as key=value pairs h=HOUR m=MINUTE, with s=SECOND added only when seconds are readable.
h=8 m=4
